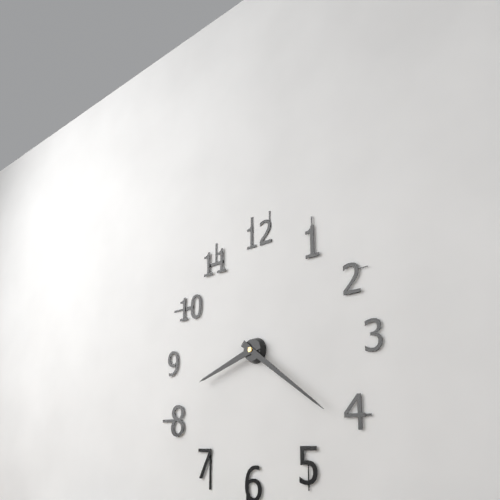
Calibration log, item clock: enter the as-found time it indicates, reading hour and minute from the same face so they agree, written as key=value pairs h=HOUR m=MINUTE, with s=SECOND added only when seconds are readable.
h=8 m=21
